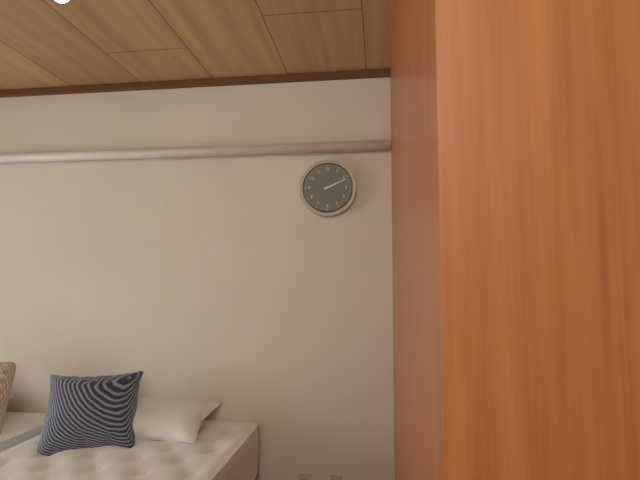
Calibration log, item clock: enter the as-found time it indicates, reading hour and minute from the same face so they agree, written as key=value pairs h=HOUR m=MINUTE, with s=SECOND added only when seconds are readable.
h=2 m=11
